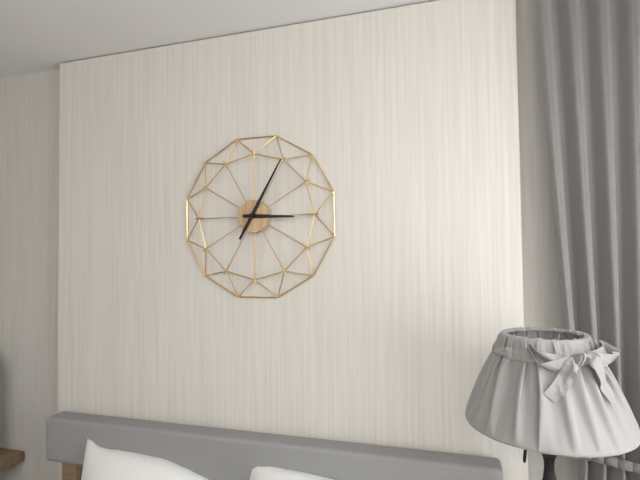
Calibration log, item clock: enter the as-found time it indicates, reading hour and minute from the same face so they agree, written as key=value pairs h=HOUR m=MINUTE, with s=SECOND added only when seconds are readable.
h=3 m=5
